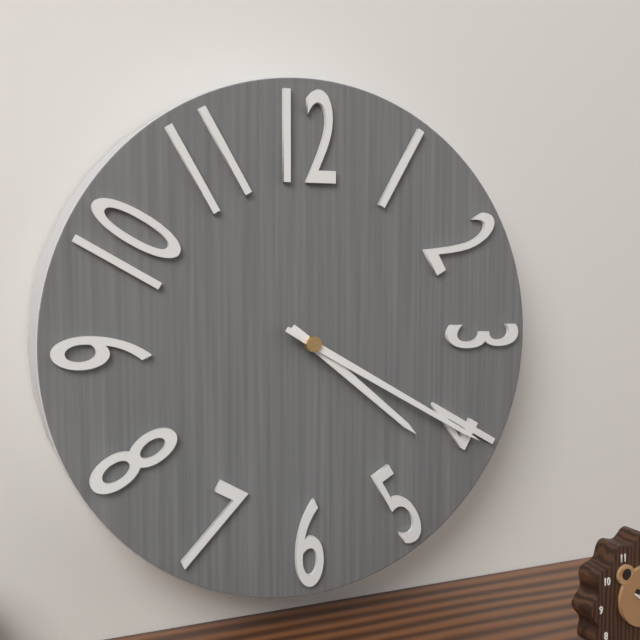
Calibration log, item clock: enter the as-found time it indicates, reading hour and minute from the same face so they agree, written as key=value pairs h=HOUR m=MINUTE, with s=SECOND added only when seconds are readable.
h=4 m=20
